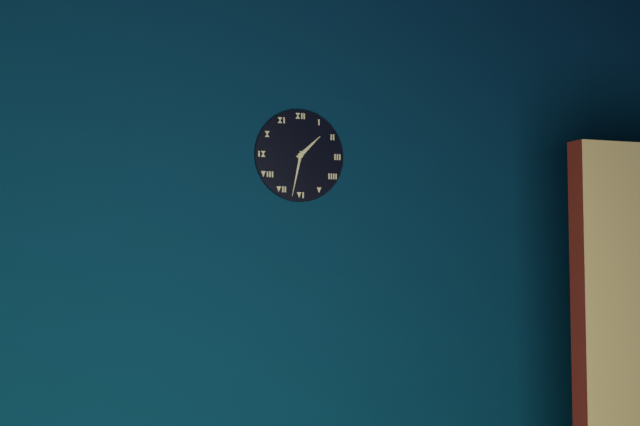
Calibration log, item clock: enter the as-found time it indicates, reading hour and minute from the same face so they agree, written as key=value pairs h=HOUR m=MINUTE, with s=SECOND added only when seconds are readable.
h=1 m=32
